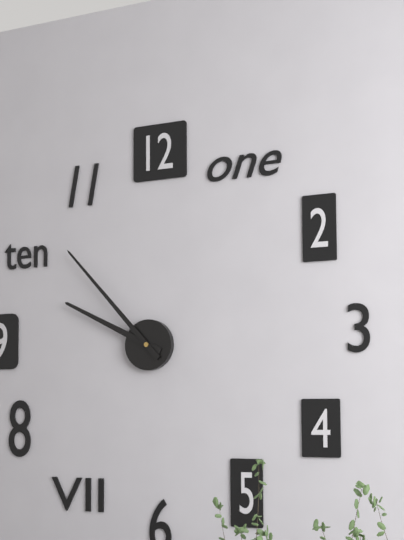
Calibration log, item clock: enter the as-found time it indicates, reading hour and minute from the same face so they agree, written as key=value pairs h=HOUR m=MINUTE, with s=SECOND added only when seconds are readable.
h=9 m=53
